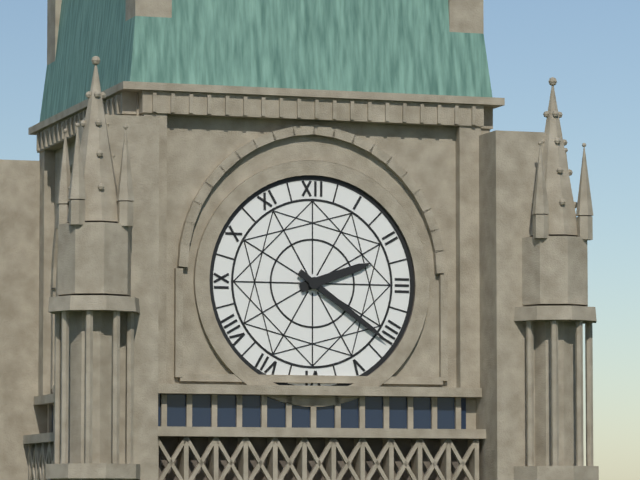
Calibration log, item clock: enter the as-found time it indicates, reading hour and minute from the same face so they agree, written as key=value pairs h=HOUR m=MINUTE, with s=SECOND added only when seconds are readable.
h=2 m=21
